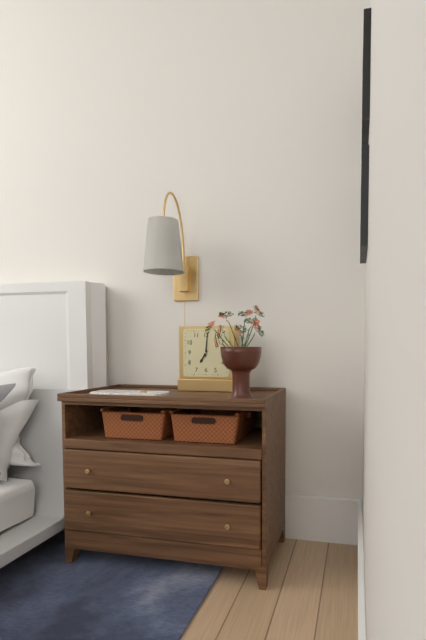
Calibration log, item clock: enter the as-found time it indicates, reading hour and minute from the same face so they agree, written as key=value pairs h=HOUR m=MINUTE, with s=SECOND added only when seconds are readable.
h=7 m=1
